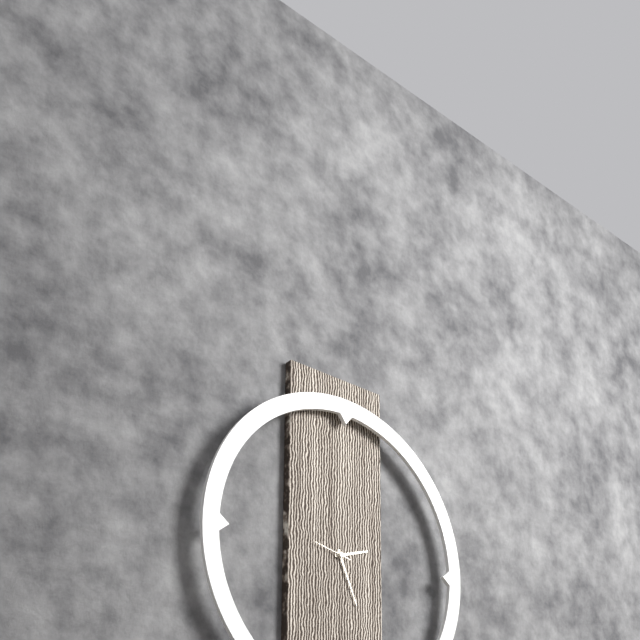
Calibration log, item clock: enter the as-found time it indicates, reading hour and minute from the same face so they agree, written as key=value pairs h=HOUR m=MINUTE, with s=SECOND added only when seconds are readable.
h=2 m=26
